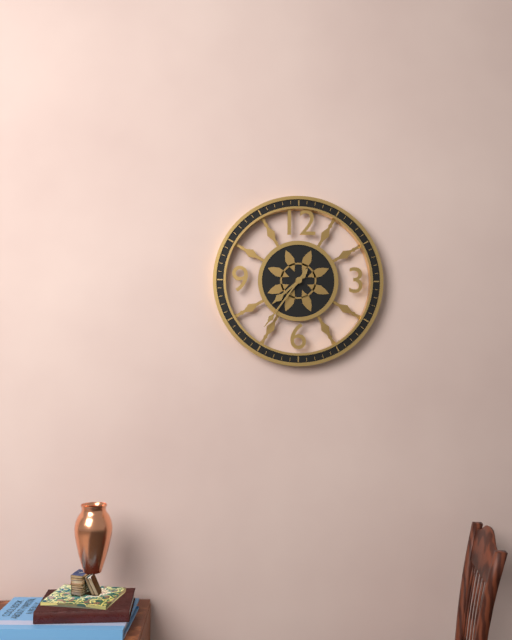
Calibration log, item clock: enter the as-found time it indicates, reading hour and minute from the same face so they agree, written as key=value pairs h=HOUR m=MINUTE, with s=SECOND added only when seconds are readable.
h=7 m=36
